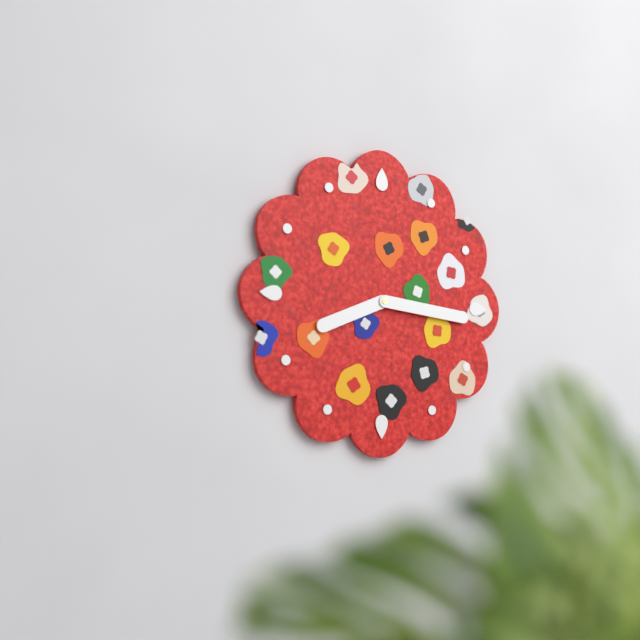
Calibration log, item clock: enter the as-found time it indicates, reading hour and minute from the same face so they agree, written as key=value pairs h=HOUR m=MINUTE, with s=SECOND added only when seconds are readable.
h=8 m=16
